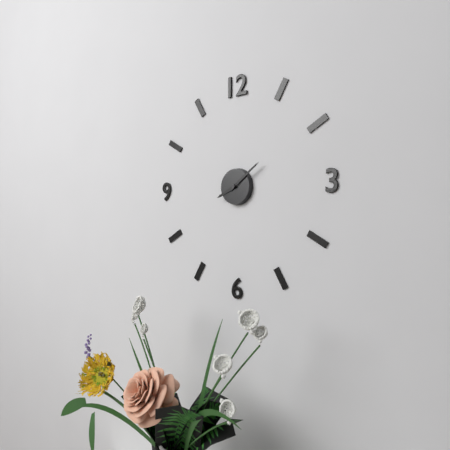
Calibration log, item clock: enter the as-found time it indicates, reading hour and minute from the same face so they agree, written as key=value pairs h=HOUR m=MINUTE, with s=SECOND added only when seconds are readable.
h=8 m=9
